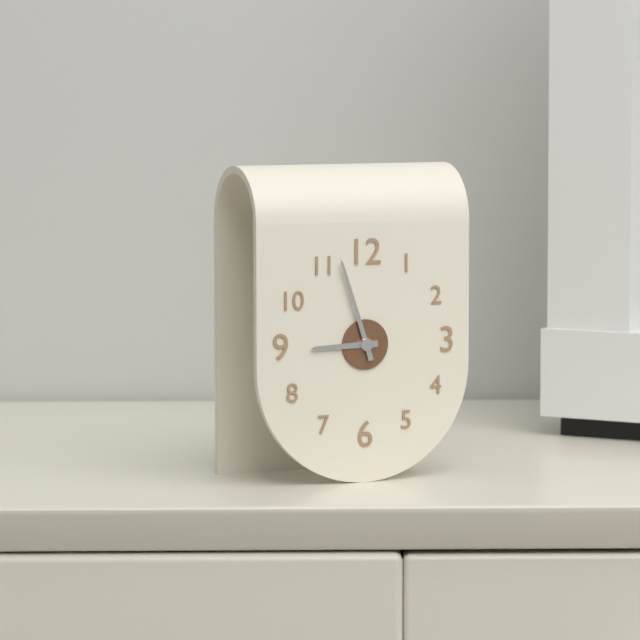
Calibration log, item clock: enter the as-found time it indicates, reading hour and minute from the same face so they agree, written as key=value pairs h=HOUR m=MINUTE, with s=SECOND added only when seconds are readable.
h=8 m=57
